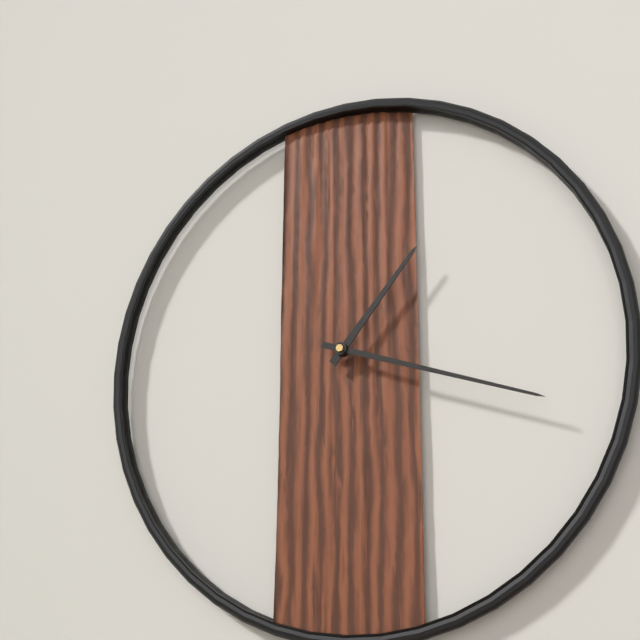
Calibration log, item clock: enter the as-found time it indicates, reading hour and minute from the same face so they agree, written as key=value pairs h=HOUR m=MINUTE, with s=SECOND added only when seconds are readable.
h=1 m=18
